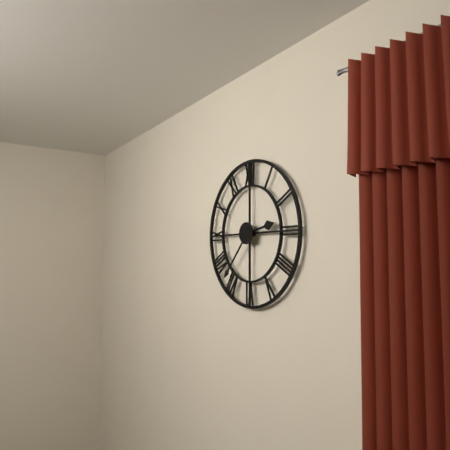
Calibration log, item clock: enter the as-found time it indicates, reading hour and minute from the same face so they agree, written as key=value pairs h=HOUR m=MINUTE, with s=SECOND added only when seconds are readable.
h=2 m=37
